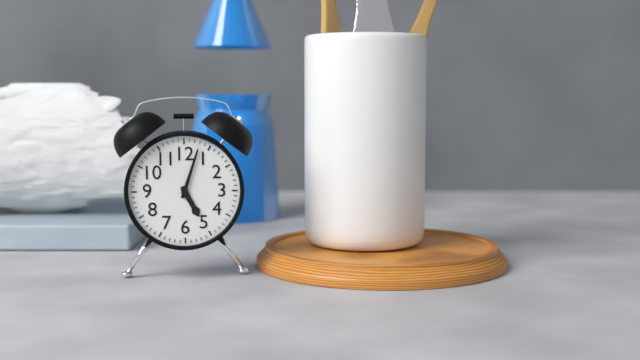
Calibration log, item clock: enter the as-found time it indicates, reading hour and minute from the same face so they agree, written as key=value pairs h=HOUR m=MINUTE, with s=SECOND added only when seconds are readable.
h=5 m=3
